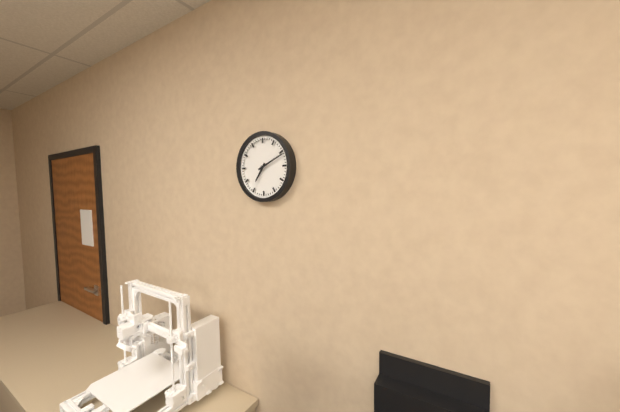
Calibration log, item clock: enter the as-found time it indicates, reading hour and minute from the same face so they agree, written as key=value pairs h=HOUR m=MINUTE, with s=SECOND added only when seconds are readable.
h=7 m=11
